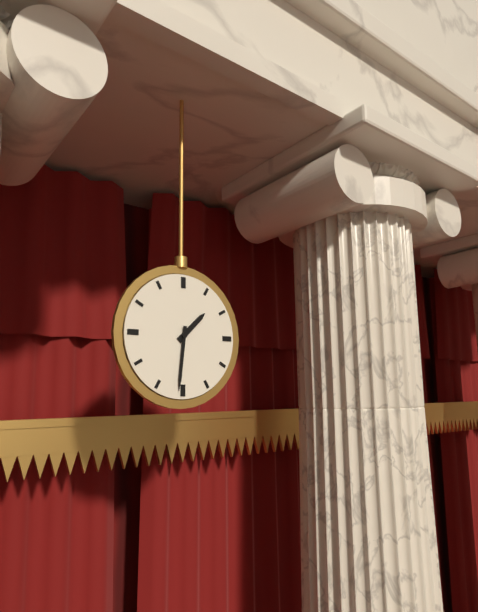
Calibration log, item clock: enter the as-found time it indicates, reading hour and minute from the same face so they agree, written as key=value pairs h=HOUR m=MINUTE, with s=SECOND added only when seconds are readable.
h=1 m=31
